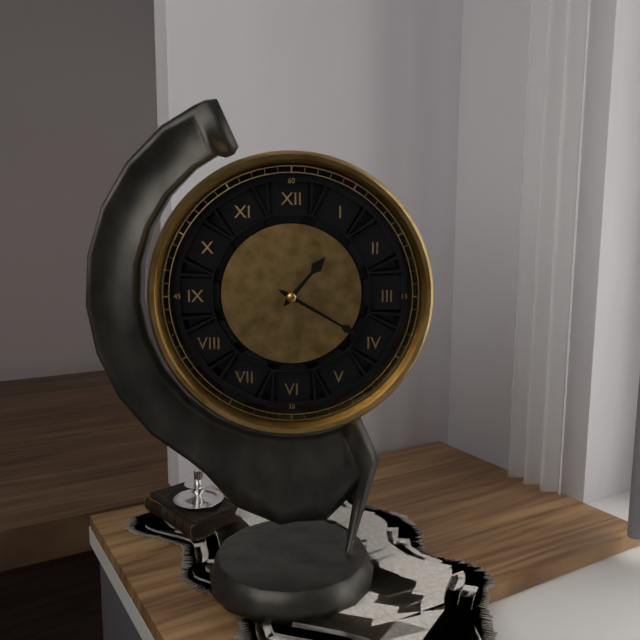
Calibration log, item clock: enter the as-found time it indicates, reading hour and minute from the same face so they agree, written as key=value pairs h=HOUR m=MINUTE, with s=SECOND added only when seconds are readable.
h=1 m=20
